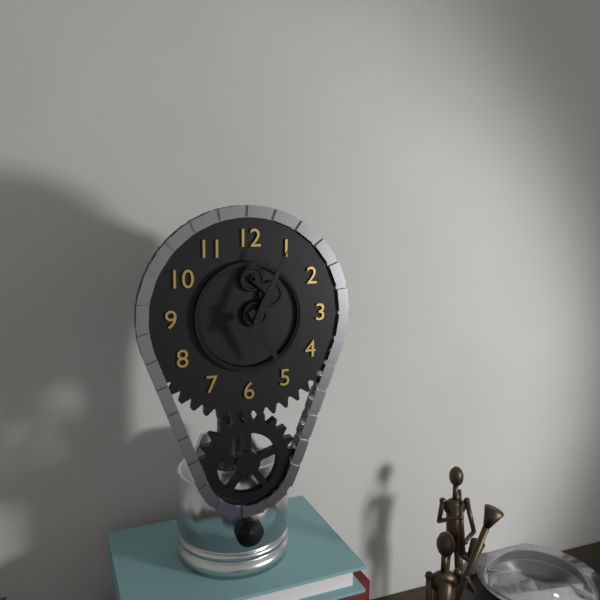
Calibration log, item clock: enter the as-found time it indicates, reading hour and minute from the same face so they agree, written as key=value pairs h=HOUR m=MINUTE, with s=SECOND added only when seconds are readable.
h=5 m=4
